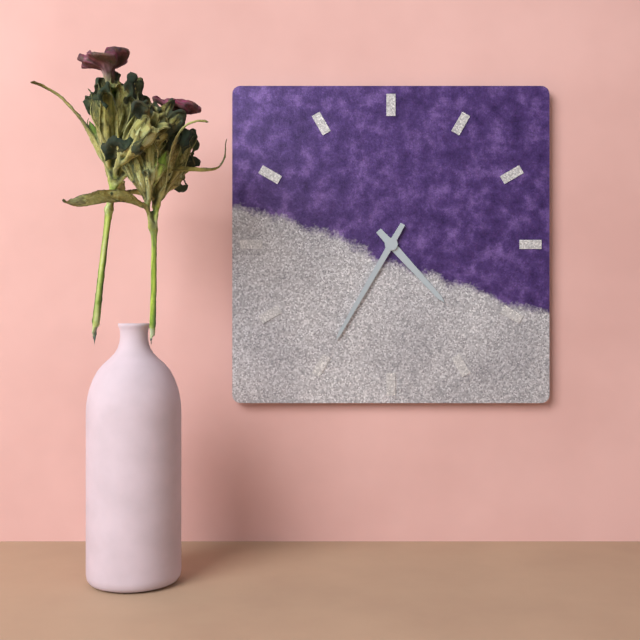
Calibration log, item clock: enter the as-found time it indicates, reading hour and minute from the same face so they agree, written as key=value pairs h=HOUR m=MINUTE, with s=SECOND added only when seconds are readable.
h=4 m=35
